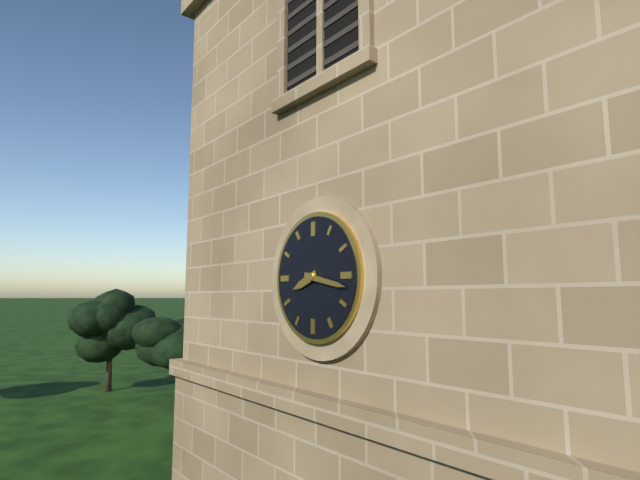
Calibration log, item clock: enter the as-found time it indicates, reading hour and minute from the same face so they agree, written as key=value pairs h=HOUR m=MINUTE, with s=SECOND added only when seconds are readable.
h=8 m=17
